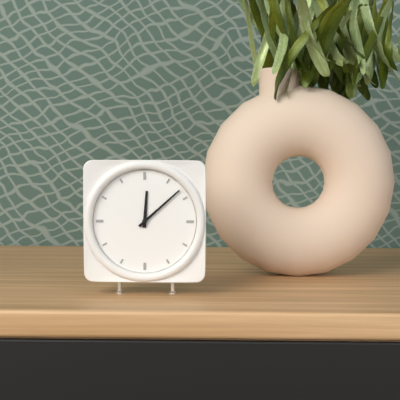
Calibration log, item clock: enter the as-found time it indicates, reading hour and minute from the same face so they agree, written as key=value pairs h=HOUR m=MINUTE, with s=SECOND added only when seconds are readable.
h=12 m=8
